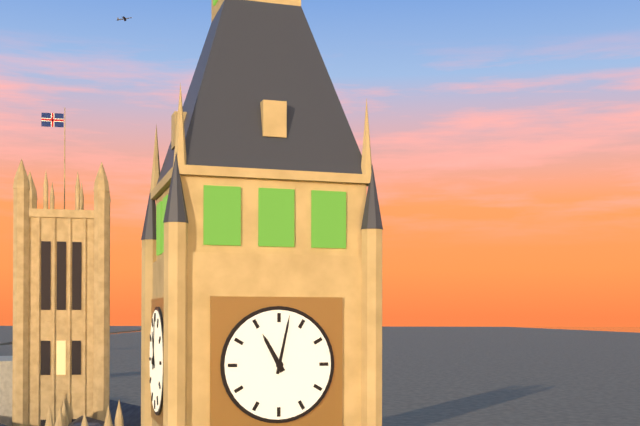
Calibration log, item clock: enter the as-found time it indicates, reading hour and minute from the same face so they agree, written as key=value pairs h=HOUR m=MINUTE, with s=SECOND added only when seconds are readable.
h=11 m=2
